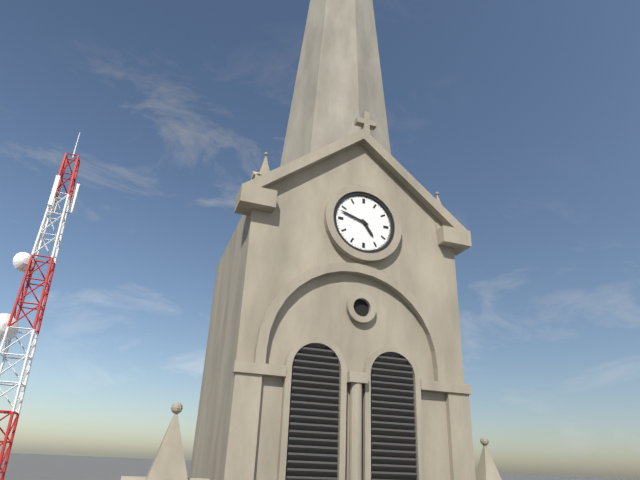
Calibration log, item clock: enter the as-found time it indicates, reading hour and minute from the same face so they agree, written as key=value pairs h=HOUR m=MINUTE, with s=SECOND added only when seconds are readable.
h=4 m=48
